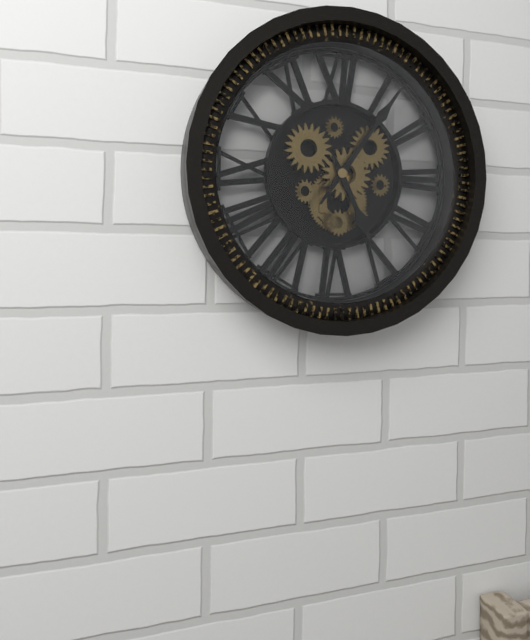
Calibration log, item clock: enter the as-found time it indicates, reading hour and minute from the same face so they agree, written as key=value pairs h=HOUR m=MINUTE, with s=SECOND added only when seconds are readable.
h=5 m=6
